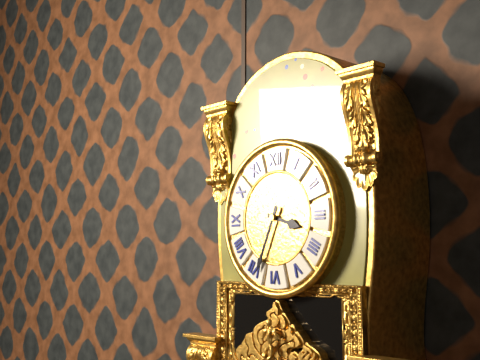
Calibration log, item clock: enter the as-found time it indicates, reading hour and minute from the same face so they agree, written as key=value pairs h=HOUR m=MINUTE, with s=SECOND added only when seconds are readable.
h=3 m=34
